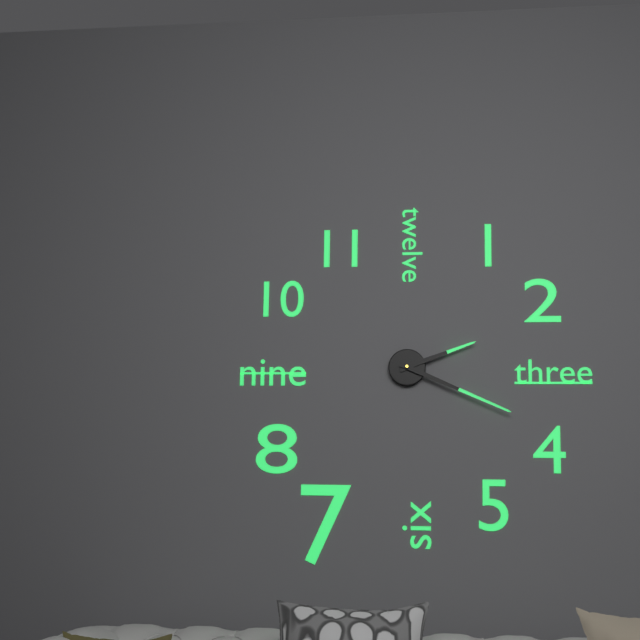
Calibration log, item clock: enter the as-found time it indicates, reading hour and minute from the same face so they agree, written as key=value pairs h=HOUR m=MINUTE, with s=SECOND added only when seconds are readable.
h=2 m=19
